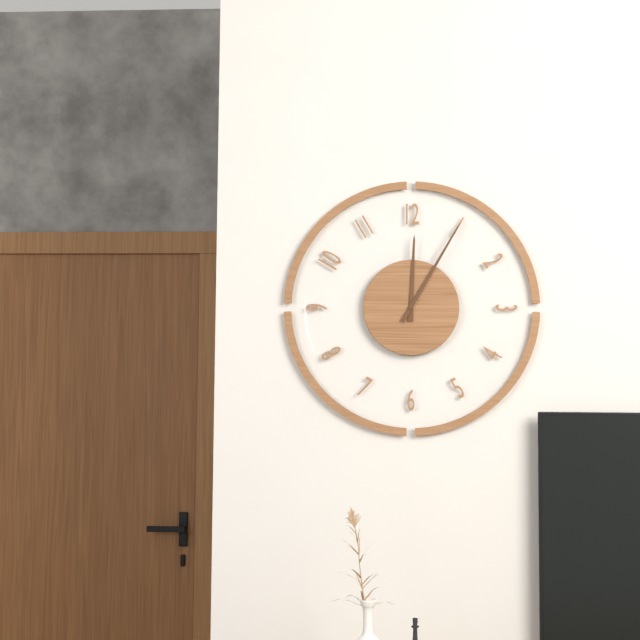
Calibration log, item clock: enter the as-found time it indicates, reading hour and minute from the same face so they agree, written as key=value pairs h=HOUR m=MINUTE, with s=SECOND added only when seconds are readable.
h=12 m=5
